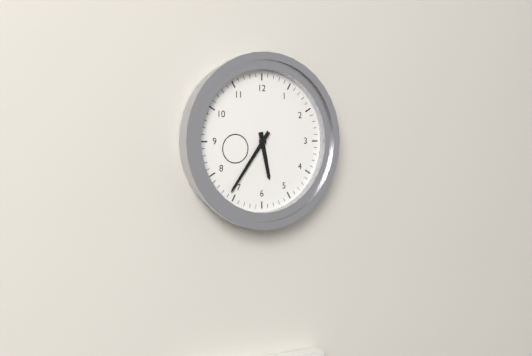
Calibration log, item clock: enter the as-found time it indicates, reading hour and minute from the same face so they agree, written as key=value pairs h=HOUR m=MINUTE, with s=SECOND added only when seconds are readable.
h=5 m=36
